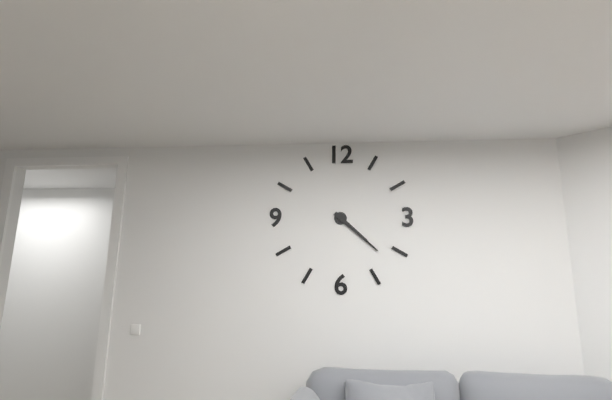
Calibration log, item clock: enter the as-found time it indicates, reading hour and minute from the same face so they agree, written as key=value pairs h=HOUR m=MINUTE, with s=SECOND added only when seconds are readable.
h=4 m=22
